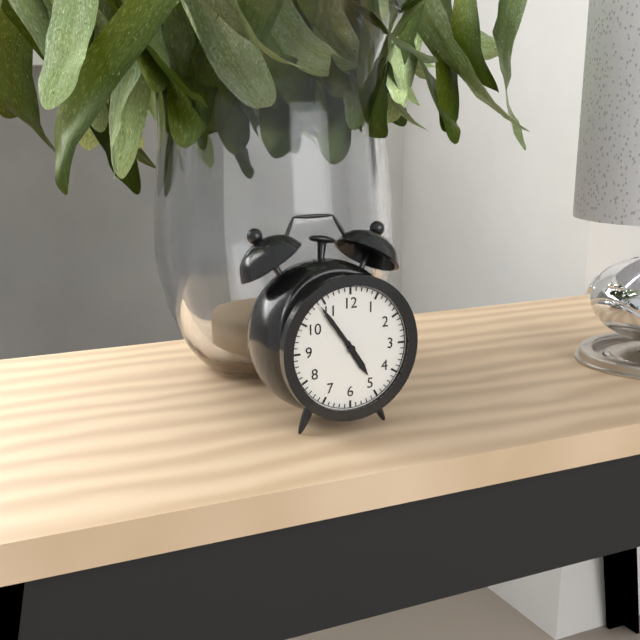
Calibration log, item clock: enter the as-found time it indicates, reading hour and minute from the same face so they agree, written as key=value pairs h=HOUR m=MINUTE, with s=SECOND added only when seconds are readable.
h=4 m=54
